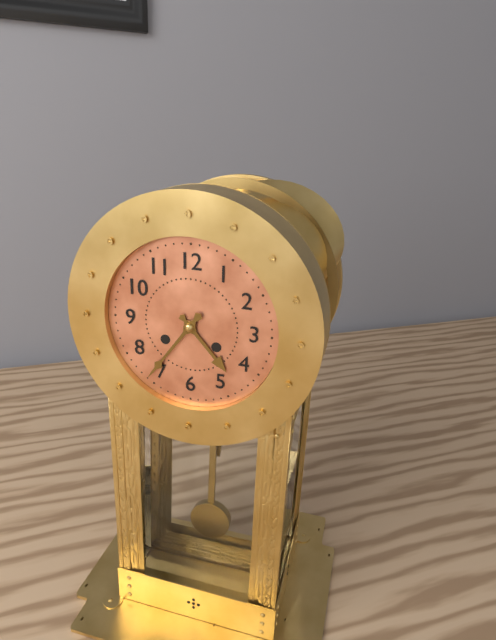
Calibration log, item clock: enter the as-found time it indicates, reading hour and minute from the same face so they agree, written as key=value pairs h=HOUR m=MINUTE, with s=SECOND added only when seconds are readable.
h=4 m=36
